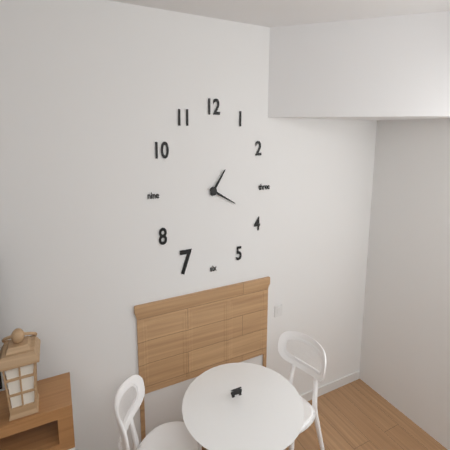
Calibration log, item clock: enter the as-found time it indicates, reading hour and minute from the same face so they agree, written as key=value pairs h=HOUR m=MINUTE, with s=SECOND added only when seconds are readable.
h=1 m=19
